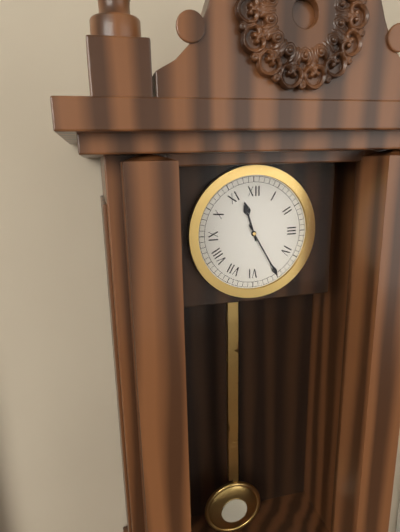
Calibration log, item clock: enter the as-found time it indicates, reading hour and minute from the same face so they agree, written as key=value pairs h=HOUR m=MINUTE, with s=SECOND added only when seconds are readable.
h=11 m=25
